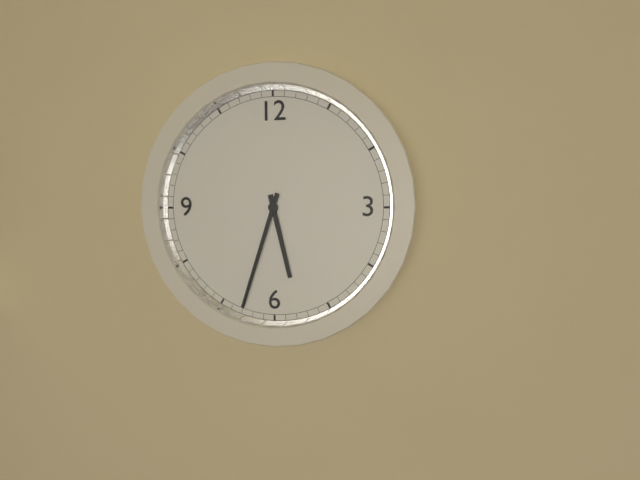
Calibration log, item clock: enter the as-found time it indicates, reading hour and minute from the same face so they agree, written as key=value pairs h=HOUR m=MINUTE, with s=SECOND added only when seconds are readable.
h=5 m=33
